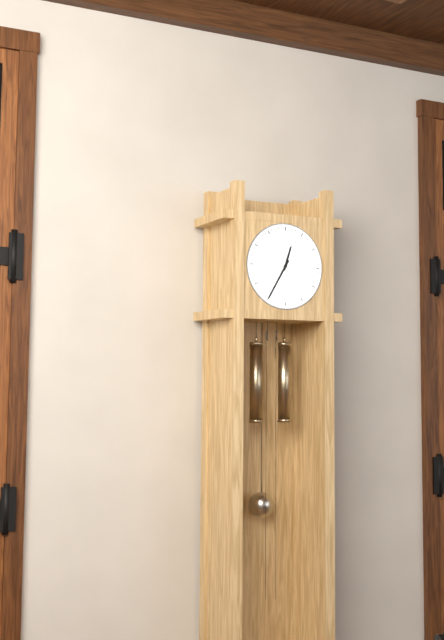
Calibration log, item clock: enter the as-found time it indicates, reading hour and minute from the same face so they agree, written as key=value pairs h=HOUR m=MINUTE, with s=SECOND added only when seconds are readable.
h=12 m=35
